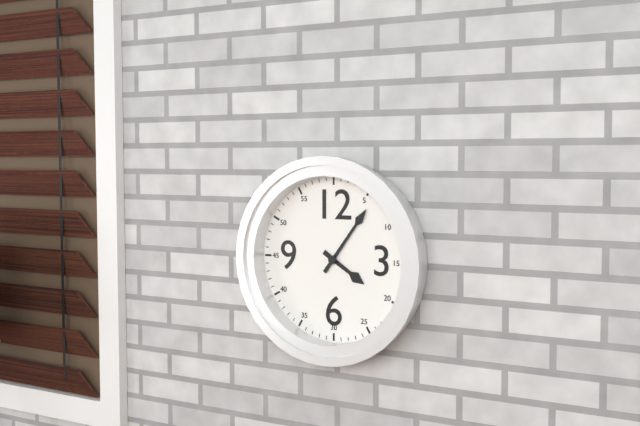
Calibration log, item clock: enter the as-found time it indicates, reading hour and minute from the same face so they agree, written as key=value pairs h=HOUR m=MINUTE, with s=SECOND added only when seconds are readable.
h=4 m=6
